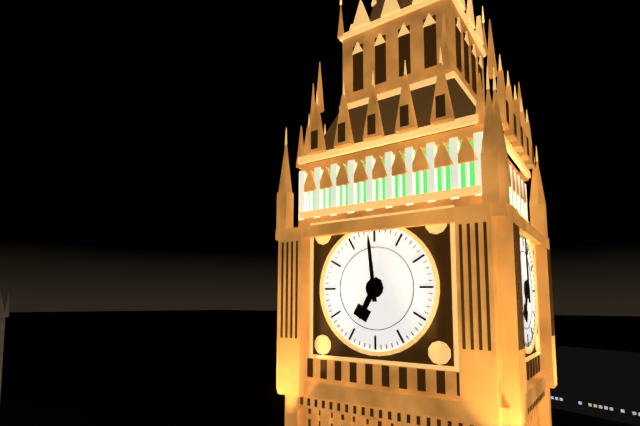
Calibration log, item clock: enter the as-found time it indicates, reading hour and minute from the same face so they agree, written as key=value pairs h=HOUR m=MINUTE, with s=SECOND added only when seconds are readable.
h=6 m=59
